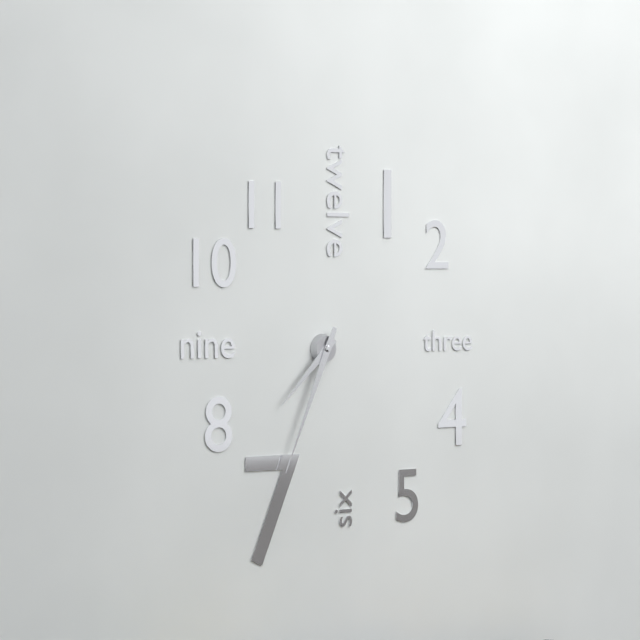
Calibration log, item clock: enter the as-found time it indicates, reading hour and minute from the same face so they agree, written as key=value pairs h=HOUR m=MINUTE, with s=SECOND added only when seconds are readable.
h=7 m=34
